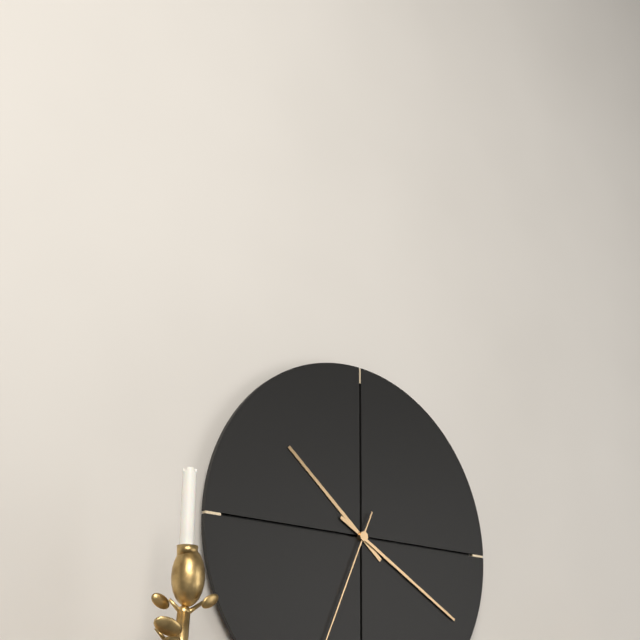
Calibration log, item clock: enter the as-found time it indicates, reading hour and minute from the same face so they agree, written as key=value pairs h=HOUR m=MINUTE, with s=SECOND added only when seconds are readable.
h=10 m=20
